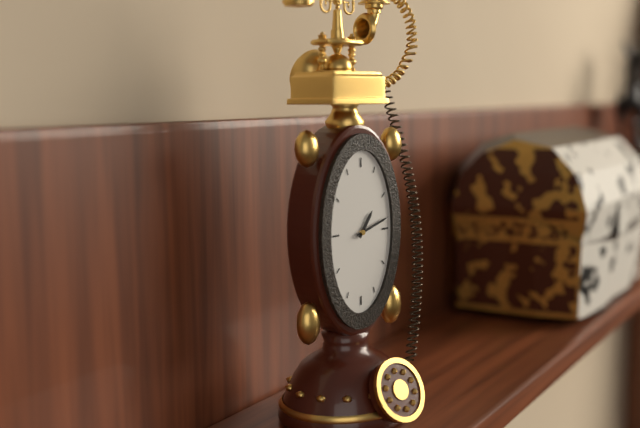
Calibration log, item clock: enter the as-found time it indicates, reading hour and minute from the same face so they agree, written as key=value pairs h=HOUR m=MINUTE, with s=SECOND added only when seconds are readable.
h=1 m=12
